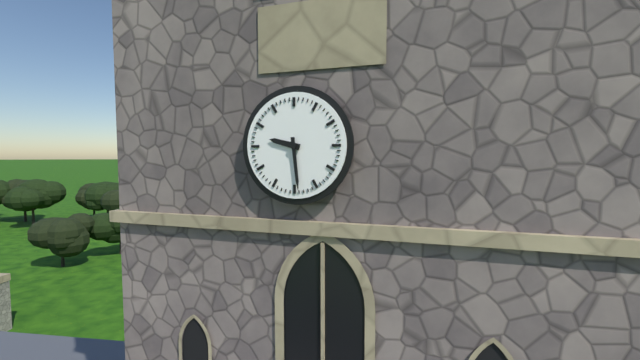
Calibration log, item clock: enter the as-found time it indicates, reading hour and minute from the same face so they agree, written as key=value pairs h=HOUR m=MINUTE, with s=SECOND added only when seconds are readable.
h=9 m=29
